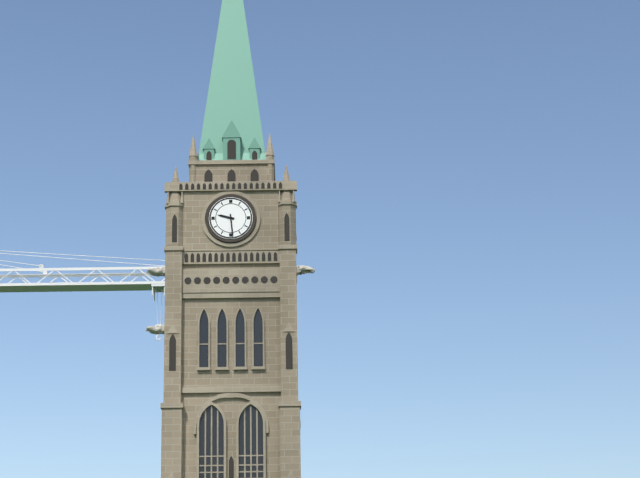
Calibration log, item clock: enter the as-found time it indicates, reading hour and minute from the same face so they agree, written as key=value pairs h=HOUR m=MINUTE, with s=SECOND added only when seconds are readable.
h=9 m=29
